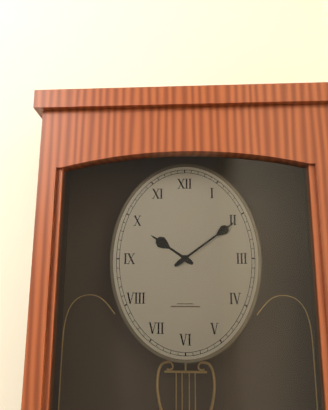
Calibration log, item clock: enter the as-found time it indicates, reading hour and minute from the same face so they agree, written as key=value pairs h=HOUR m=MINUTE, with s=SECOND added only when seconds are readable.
h=10 m=9
